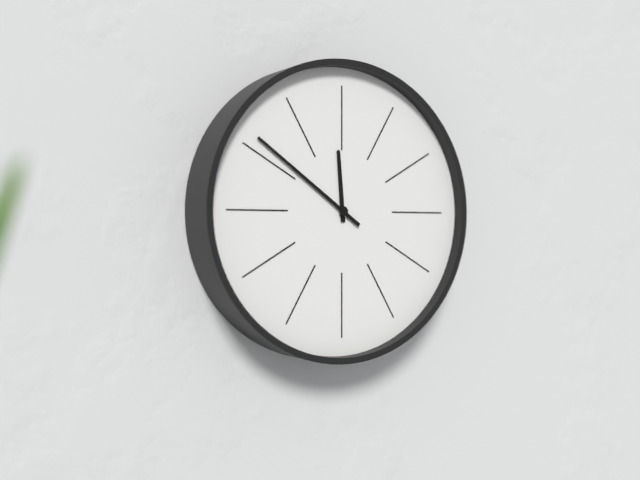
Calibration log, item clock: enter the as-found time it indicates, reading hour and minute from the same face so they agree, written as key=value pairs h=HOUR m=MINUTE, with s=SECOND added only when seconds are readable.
h=11 m=51
